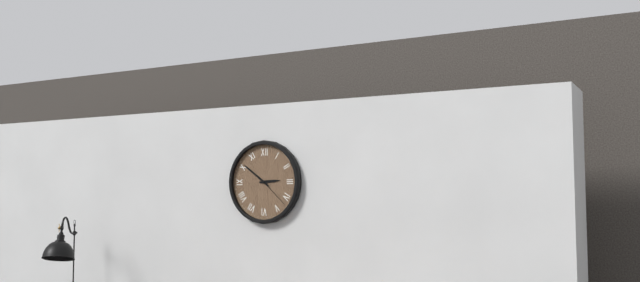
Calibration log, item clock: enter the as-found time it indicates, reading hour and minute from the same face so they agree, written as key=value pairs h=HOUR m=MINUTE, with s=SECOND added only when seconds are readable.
h=2 m=51
